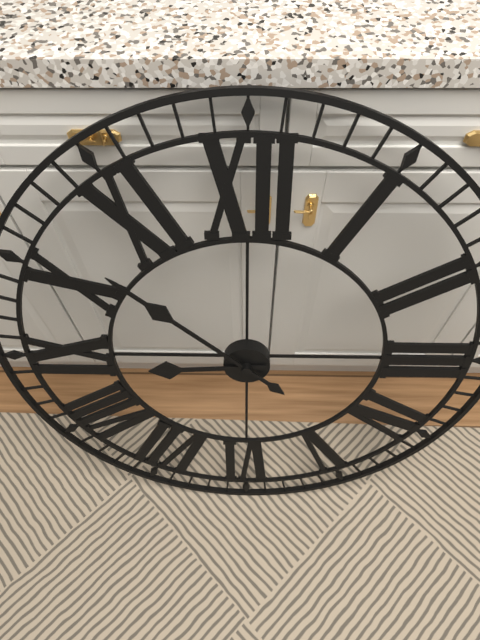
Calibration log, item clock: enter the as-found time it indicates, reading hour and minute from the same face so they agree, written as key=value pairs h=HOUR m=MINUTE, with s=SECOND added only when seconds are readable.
h=8 m=52
